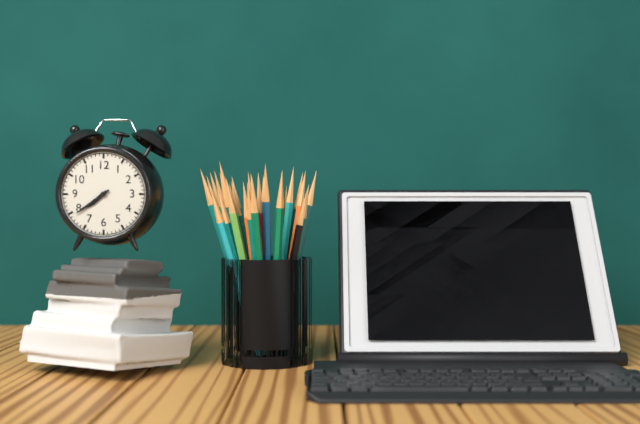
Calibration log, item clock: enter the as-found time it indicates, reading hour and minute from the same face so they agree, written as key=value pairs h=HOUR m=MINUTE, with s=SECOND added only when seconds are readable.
h=7 m=39
